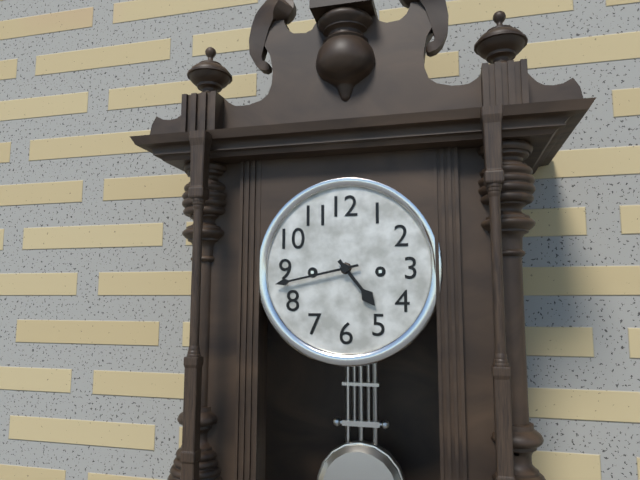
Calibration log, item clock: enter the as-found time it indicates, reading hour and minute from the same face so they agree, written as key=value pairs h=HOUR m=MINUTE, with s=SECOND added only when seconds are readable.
h=4 m=43
